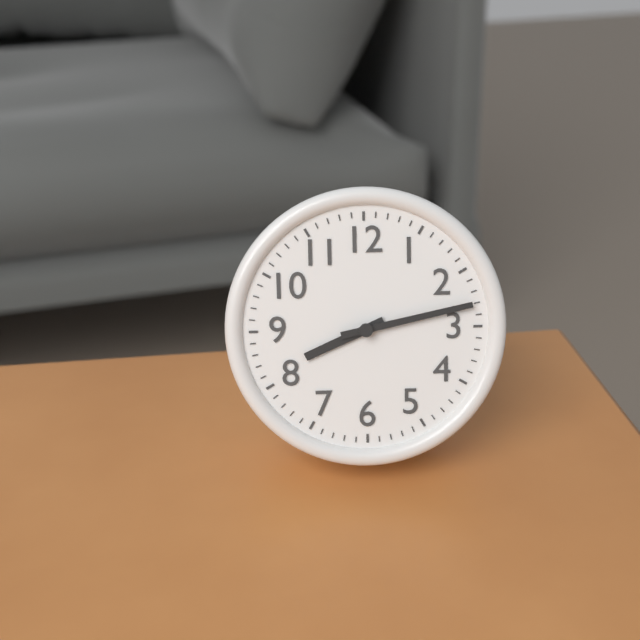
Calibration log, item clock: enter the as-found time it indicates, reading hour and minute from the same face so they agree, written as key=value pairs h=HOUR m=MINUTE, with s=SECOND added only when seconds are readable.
h=8 m=13
